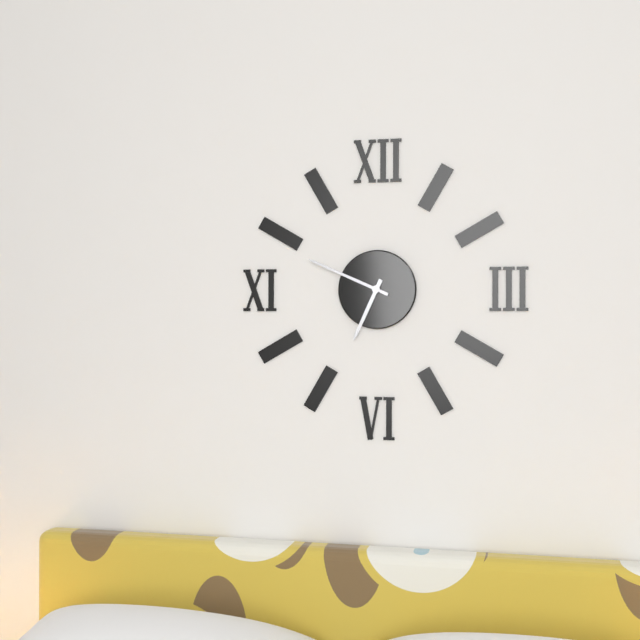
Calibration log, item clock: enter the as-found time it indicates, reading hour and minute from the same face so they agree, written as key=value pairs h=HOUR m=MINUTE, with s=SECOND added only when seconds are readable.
h=6 m=49
